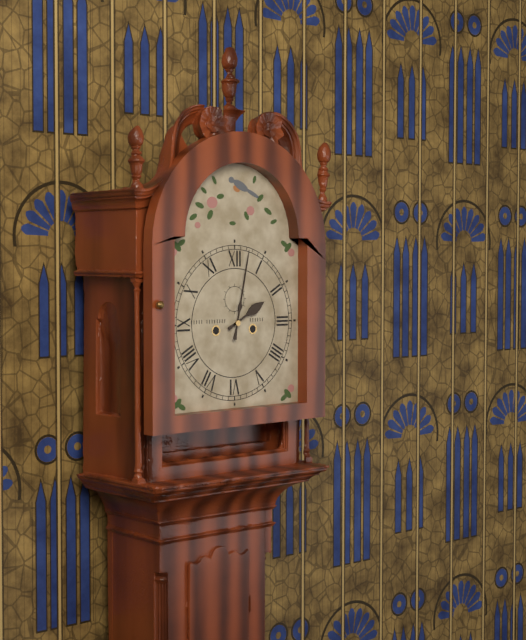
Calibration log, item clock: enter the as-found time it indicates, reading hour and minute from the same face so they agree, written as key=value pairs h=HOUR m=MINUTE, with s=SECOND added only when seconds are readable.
h=2 m=2
